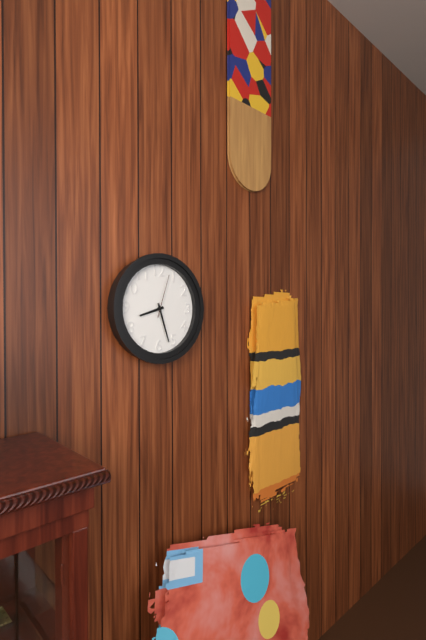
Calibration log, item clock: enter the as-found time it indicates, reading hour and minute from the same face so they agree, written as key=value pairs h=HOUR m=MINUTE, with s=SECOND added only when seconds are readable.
h=8 m=27
